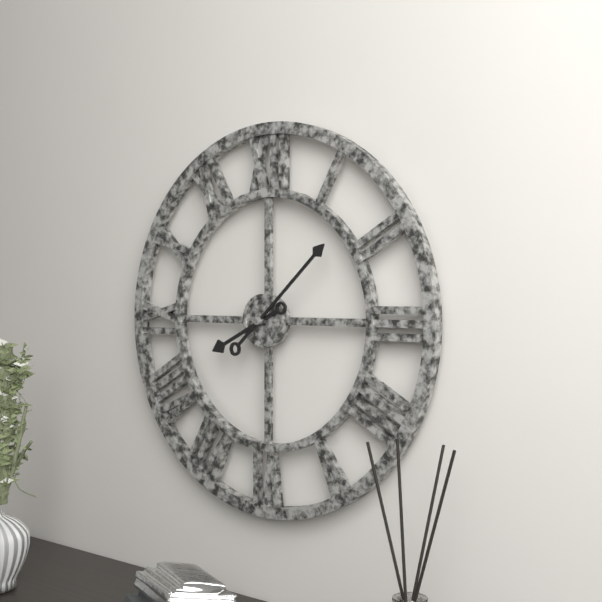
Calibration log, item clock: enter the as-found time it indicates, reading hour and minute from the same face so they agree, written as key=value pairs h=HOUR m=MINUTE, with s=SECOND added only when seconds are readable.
h=8 m=8
